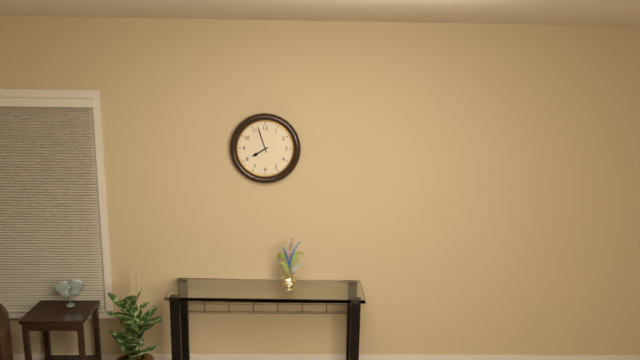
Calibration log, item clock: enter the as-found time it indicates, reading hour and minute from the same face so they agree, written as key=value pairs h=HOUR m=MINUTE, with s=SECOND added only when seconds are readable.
h=7 m=57
